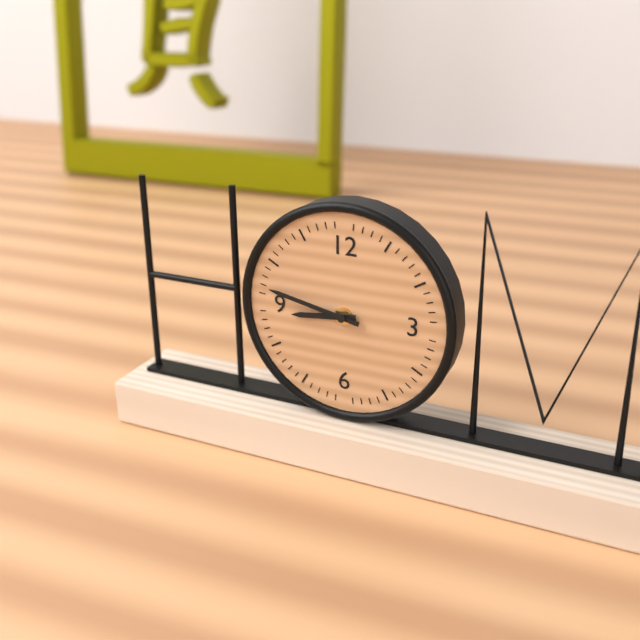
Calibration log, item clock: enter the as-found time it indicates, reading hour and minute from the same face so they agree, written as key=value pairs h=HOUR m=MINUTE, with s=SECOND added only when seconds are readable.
h=8 m=47
